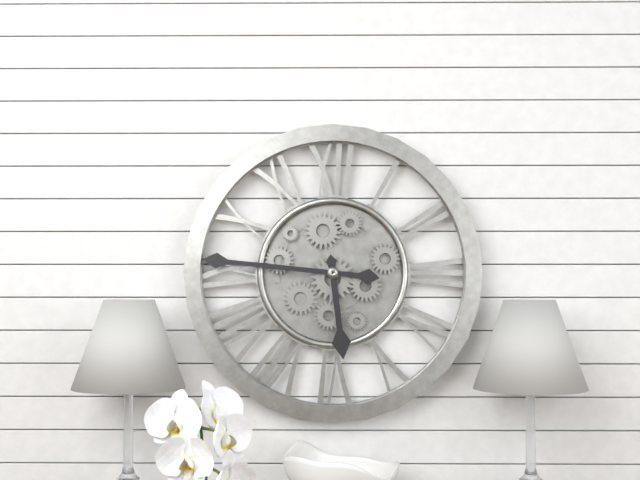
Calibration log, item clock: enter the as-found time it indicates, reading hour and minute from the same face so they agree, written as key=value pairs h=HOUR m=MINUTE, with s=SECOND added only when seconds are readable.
h=5 m=46
